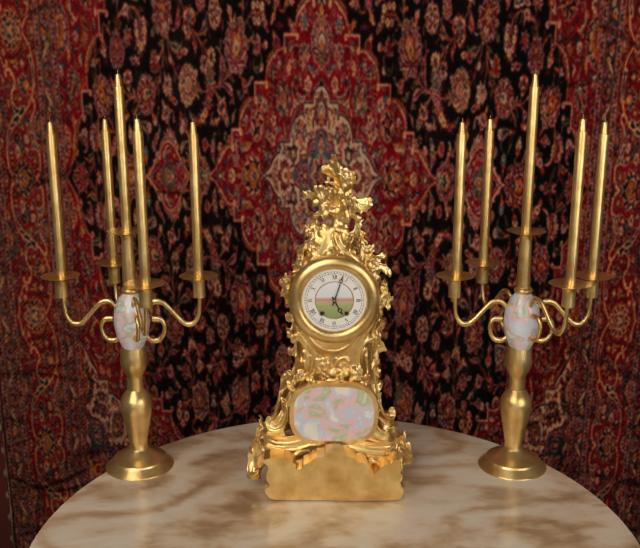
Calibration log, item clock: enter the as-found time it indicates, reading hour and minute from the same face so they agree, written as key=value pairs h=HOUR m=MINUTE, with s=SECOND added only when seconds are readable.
h=5 m=3
